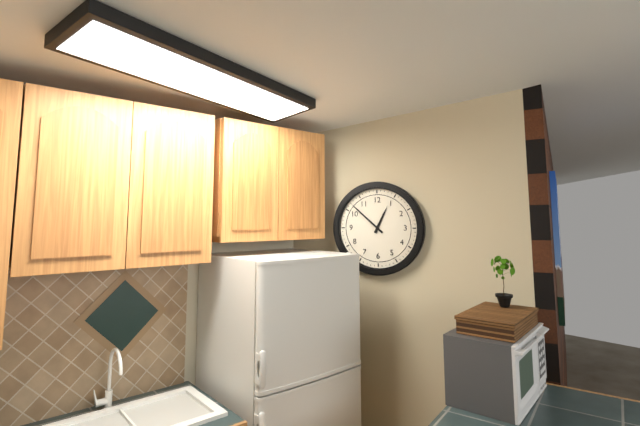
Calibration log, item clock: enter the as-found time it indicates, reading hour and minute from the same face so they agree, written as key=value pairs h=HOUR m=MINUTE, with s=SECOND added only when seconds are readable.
h=12 m=52
